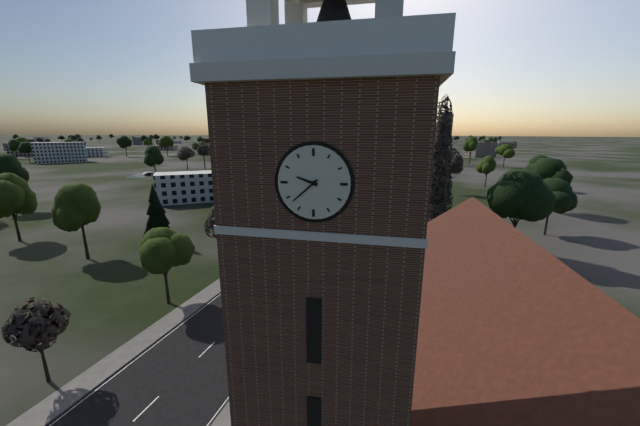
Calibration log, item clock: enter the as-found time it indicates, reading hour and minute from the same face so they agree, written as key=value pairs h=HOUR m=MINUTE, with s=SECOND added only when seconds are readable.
h=9 m=38
